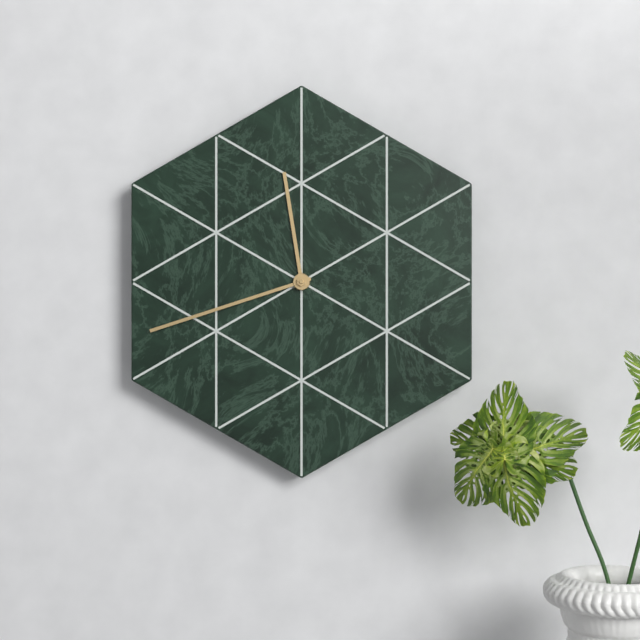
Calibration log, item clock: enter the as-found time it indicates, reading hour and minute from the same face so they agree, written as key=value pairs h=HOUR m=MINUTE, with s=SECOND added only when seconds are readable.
h=11 m=42
